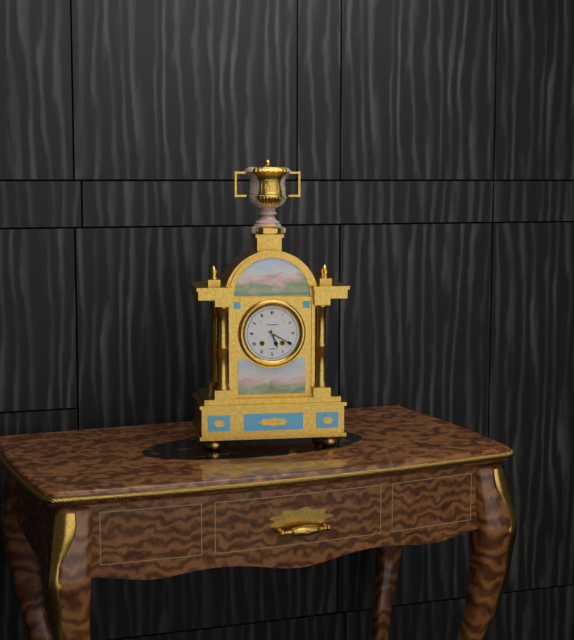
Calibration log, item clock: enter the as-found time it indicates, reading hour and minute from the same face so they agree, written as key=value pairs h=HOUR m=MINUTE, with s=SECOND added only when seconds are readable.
h=5 m=20
